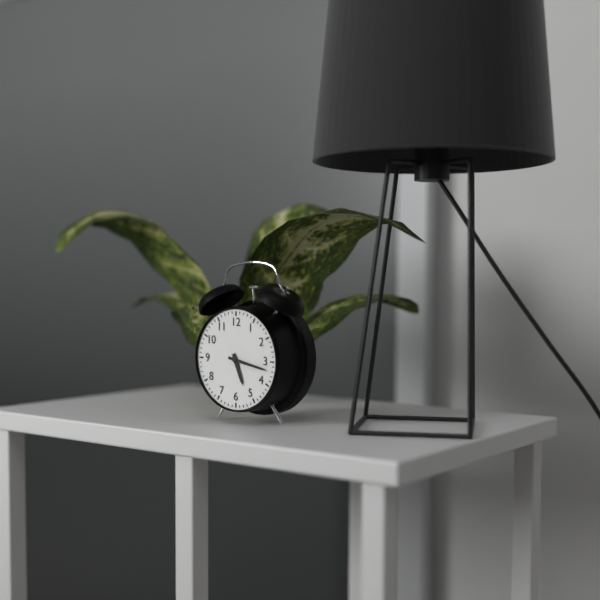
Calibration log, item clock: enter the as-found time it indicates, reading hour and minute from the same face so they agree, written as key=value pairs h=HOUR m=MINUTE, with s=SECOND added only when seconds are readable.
h=5 m=17
